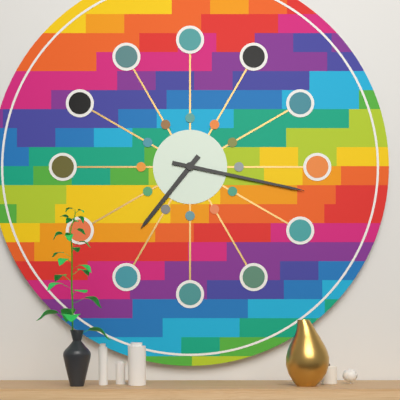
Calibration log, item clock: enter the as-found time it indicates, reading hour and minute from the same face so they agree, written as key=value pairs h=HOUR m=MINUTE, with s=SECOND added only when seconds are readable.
h=7 m=17
